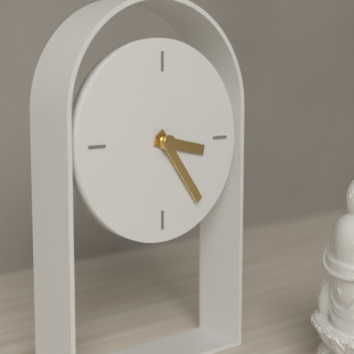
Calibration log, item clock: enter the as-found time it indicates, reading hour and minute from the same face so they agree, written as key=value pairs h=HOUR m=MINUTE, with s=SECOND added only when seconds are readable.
h=3 m=24
